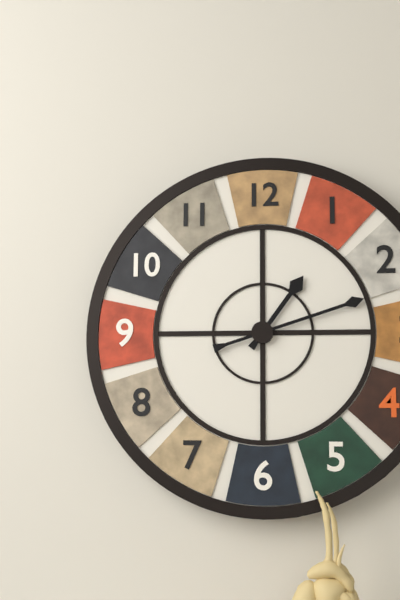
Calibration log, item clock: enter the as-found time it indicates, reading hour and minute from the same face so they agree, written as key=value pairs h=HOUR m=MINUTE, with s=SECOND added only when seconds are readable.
h=1 m=12
